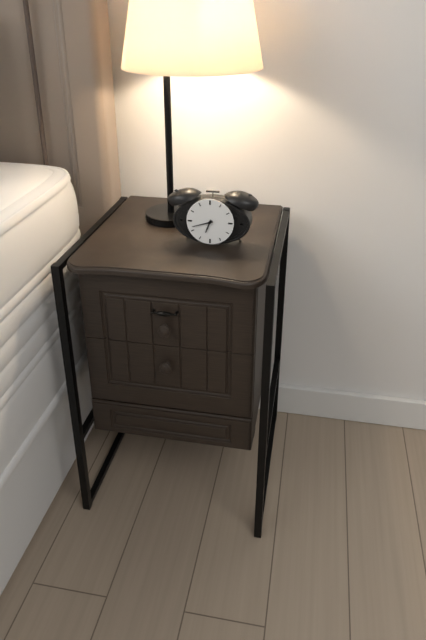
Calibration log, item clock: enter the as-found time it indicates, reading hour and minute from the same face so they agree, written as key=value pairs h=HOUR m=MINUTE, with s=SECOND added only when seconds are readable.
h=6 m=42
